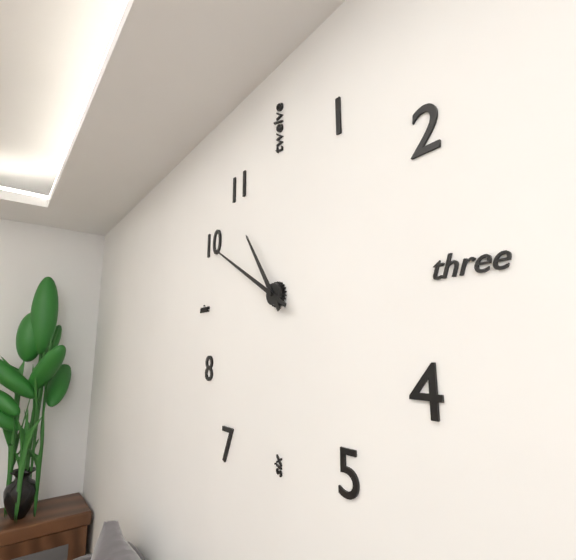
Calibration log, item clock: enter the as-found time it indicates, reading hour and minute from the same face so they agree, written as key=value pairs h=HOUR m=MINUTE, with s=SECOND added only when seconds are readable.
h=10 m=50
